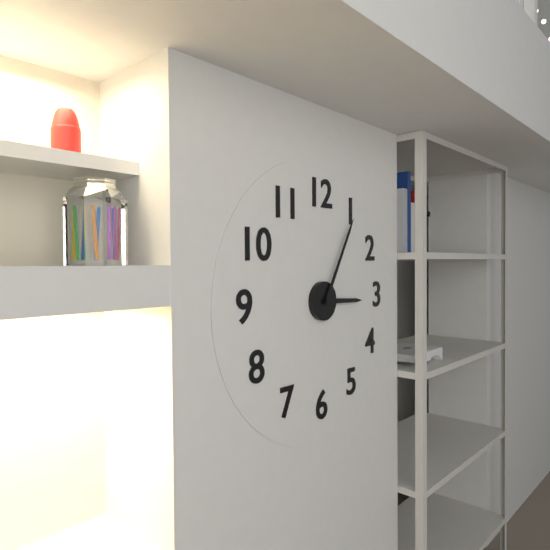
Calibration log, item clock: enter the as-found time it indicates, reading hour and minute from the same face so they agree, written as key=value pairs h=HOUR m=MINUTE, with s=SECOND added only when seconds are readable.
h=3 m=5
